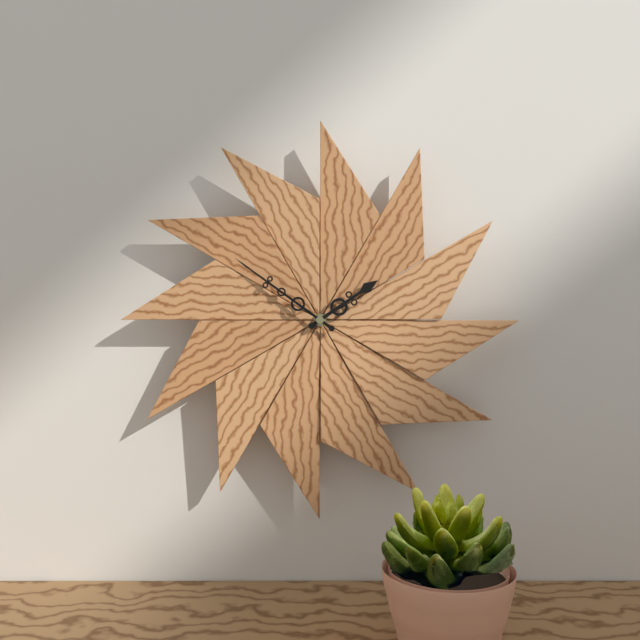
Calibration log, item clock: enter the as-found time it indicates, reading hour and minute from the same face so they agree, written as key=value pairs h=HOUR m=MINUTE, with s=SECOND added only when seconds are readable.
h=1 m=51
